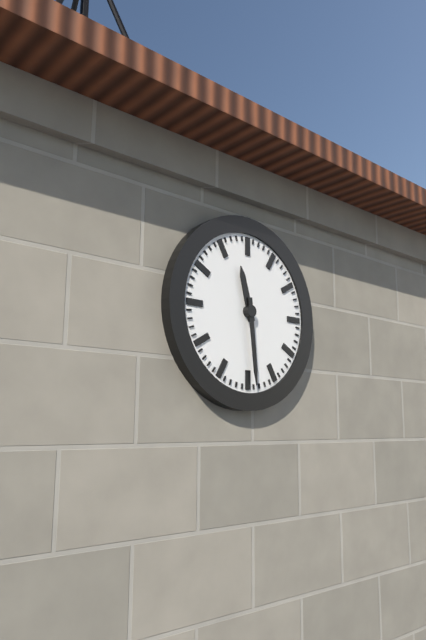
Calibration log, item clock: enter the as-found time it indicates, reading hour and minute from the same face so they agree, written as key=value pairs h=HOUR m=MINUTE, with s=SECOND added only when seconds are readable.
h=11 m=29
